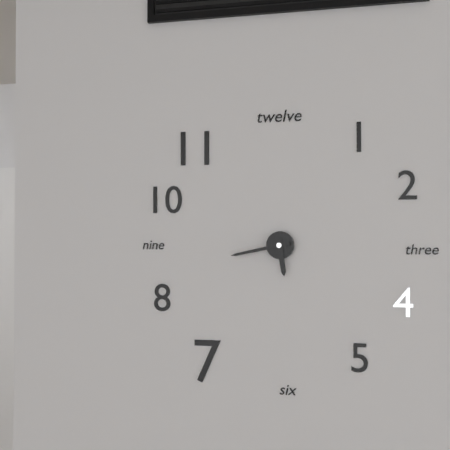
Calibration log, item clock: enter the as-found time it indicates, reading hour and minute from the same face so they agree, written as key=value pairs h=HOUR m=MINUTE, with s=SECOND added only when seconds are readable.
h=5 m=43
